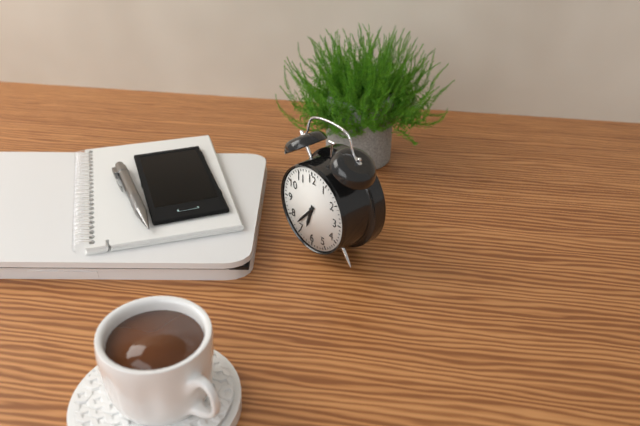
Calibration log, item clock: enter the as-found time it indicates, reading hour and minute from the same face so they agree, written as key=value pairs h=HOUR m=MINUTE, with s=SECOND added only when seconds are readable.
h=6 m=37
